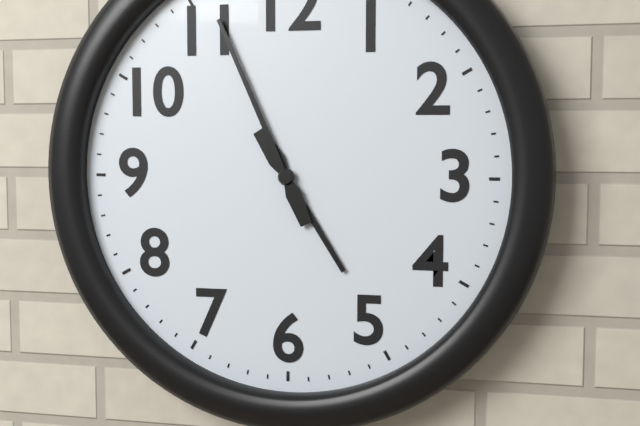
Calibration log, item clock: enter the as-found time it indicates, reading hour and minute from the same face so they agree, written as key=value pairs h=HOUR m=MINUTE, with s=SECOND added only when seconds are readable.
h=4 m=56
